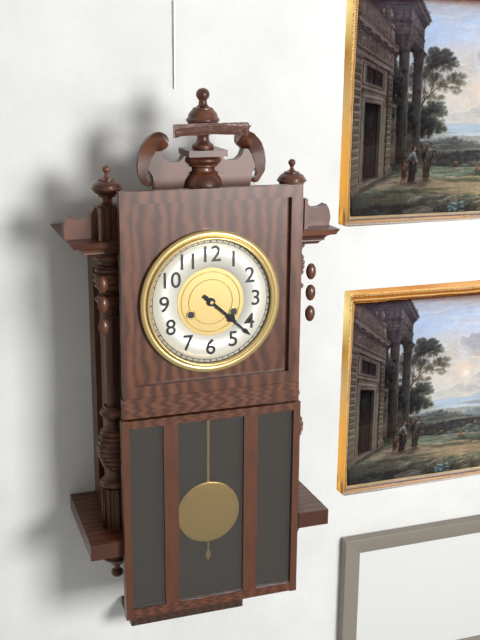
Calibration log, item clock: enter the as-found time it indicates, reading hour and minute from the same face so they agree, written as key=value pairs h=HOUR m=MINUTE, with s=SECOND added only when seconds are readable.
h=4 m=22
